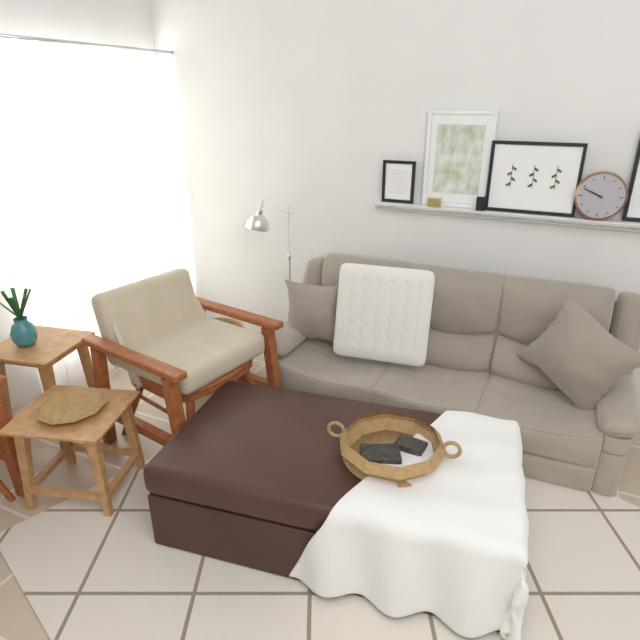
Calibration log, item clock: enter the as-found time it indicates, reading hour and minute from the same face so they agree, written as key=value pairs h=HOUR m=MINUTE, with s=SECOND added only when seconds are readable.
h=9 m=49
